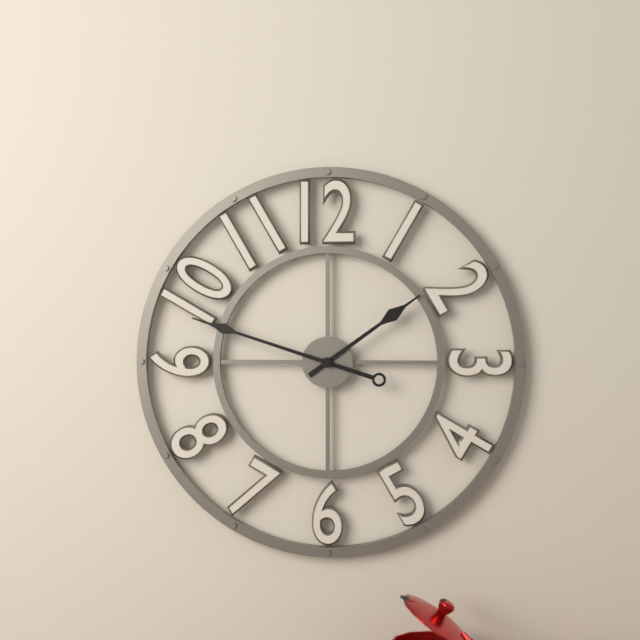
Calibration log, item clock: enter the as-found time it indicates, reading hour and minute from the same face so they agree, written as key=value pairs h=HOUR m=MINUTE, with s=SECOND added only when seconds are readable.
h=1 m=48
